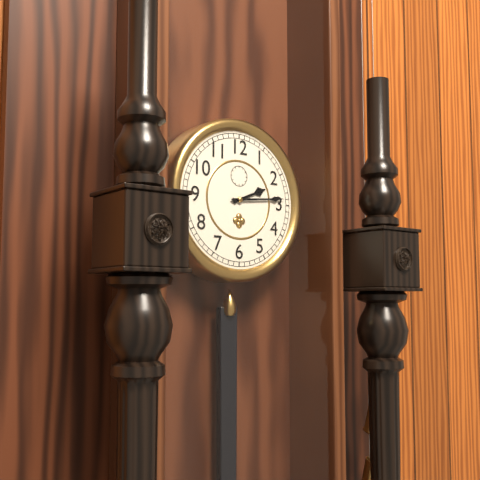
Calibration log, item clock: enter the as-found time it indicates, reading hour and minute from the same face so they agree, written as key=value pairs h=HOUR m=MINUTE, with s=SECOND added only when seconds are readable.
h=2 m=14
